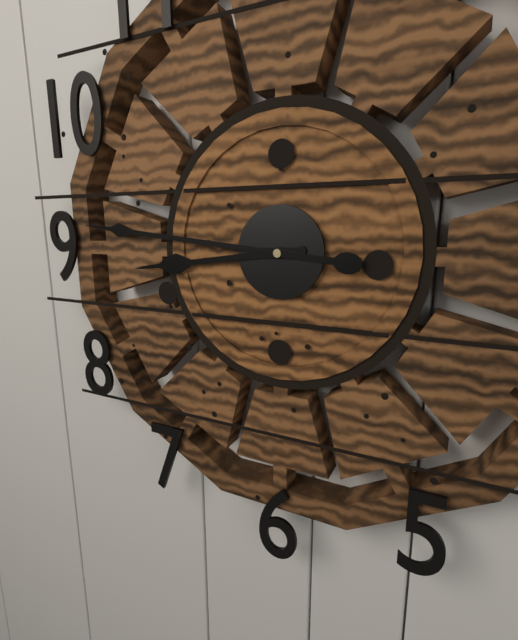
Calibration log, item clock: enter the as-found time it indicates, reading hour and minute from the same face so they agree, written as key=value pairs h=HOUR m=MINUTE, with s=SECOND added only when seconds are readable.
h=8 m=46
